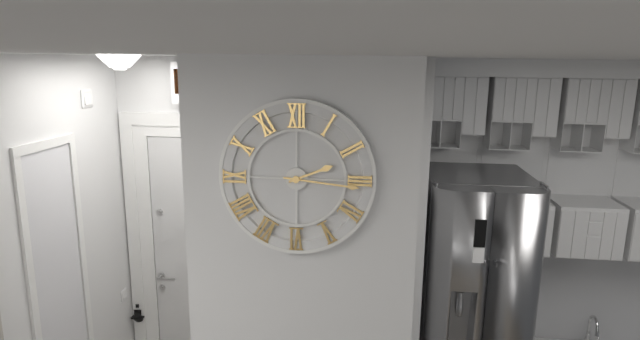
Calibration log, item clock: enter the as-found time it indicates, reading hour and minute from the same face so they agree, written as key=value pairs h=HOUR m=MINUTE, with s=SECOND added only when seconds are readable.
h=2 m=16
